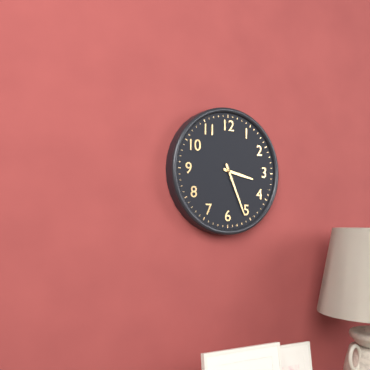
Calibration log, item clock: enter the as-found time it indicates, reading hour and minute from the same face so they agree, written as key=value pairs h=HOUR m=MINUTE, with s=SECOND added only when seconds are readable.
h=3 m=26
